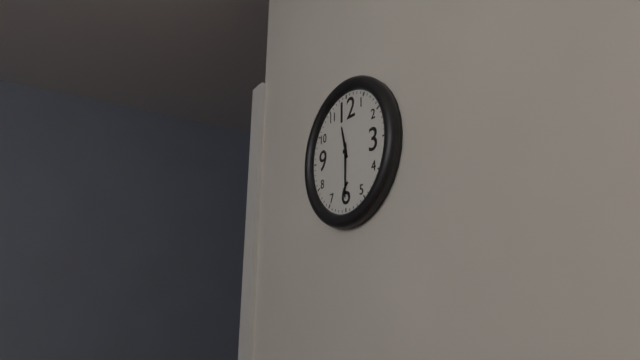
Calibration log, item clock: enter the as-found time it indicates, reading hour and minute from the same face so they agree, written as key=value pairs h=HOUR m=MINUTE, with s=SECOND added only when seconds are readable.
h=11 m=30
